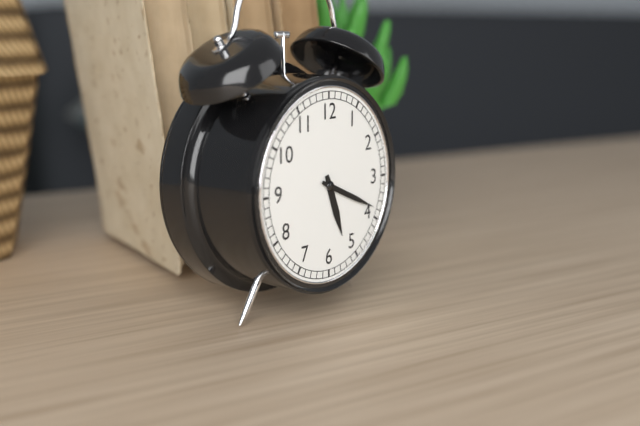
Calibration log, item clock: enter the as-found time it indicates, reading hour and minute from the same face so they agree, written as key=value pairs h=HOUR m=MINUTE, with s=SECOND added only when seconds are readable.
h=5 m=19
